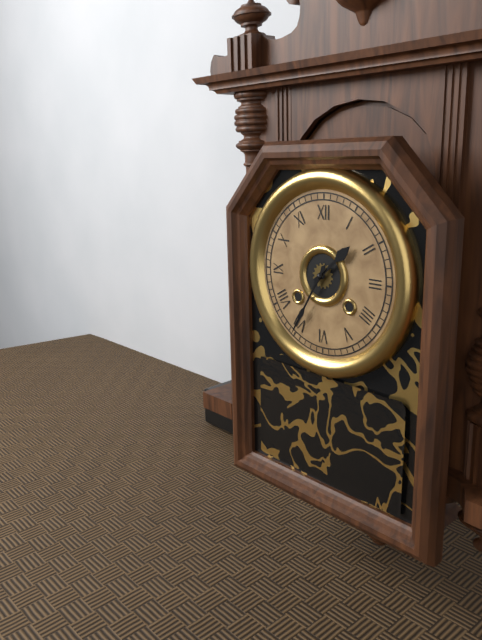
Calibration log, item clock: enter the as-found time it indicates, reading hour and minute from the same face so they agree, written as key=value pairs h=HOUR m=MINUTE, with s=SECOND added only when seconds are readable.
h=1 m=35
